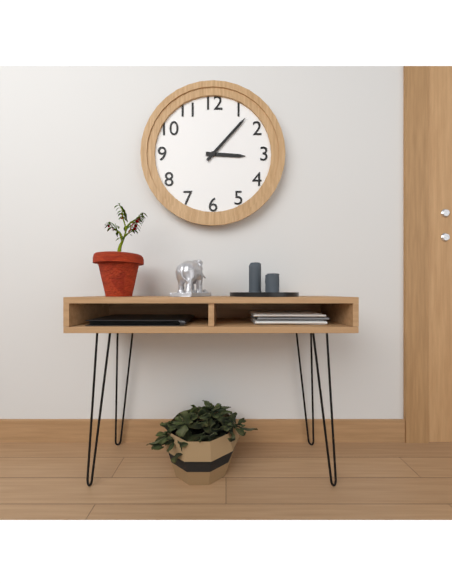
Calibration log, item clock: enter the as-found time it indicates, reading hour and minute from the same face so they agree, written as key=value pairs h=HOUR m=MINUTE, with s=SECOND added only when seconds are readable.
h=3 m=7
